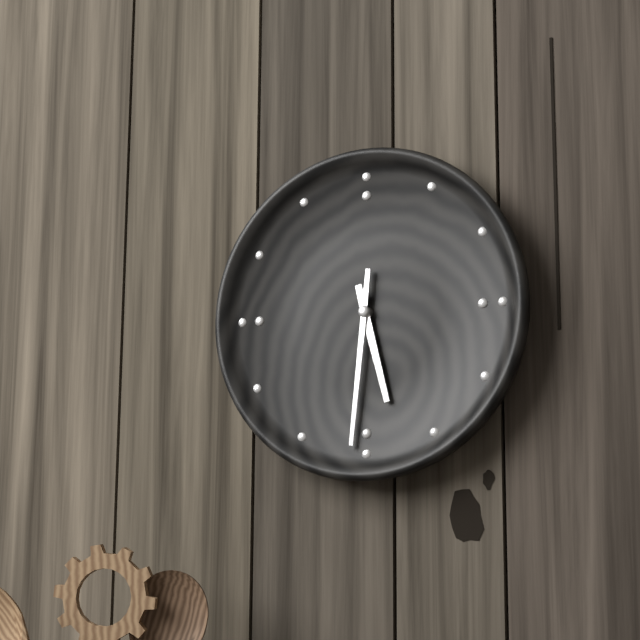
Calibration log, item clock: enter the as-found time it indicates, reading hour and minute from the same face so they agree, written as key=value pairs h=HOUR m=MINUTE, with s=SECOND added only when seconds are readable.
h=5 m=31
